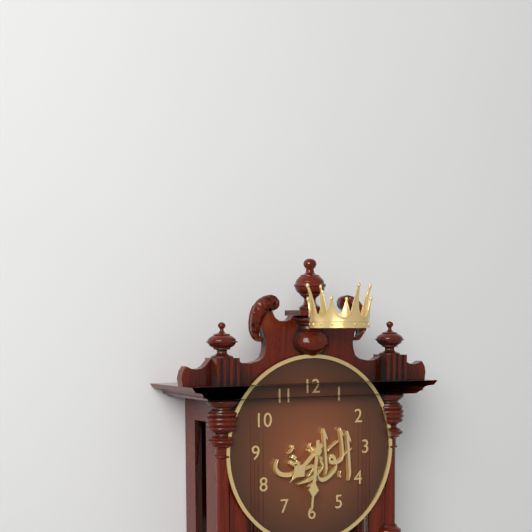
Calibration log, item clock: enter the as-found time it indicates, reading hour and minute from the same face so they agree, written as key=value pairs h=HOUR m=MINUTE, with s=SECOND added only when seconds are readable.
h=7 m=31
